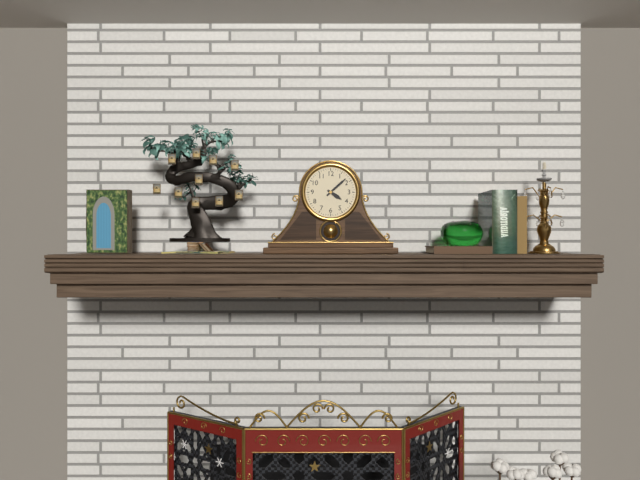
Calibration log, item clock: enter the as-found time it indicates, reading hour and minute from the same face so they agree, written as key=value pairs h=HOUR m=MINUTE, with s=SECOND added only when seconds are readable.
h=4 m=8
